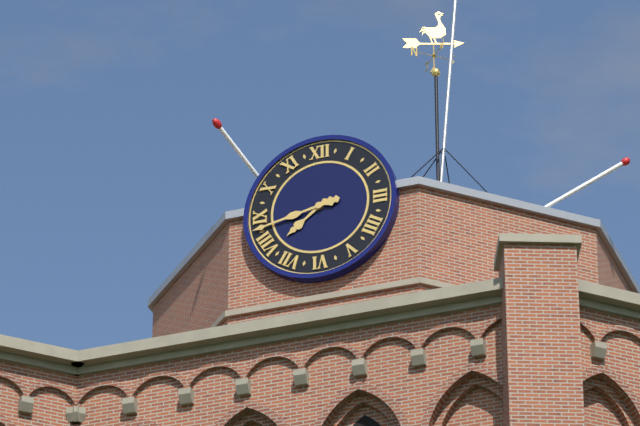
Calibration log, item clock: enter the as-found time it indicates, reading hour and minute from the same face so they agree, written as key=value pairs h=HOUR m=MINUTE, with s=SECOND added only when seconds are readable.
h=7 m=43
